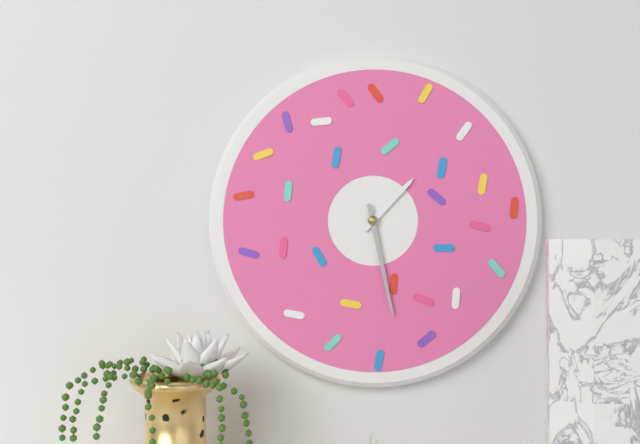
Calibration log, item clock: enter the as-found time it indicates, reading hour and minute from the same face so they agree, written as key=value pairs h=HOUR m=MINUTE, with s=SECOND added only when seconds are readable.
h=1 m=28
